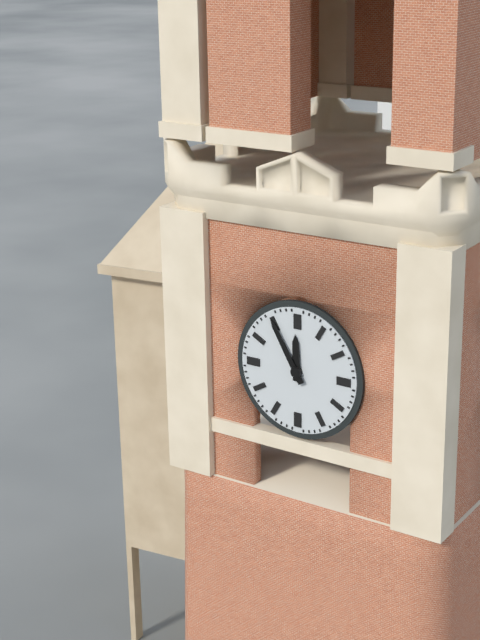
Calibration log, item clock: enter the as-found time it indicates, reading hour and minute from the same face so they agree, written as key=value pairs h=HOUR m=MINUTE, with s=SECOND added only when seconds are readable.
h=11 m=55
